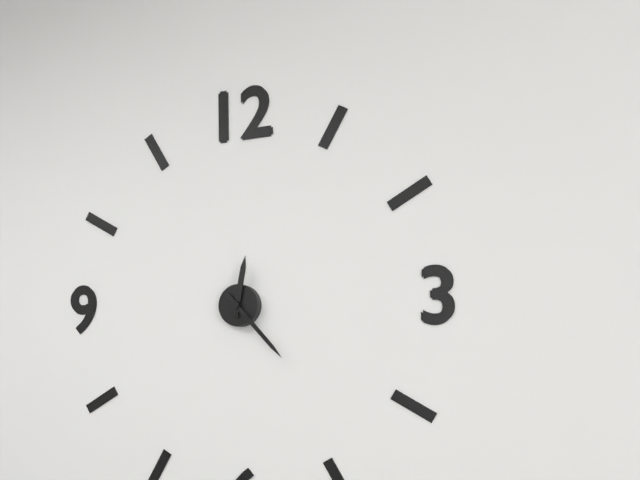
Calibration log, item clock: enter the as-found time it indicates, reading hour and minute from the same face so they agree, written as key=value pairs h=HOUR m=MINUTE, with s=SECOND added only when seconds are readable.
h=12 m=23
